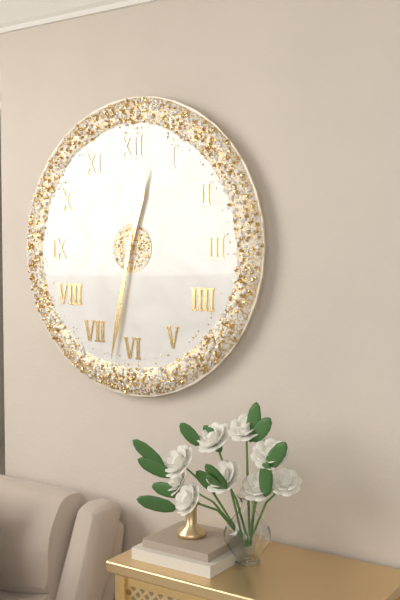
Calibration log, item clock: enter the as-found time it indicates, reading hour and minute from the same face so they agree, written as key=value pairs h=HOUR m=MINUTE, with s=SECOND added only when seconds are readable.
h=12 m=32
